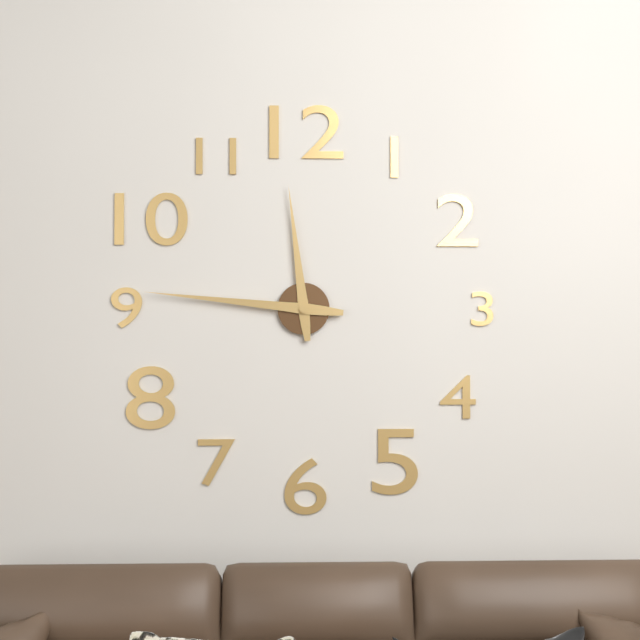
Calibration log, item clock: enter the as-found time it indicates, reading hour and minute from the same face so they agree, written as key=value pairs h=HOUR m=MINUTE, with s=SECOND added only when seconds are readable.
h=11 m=46
